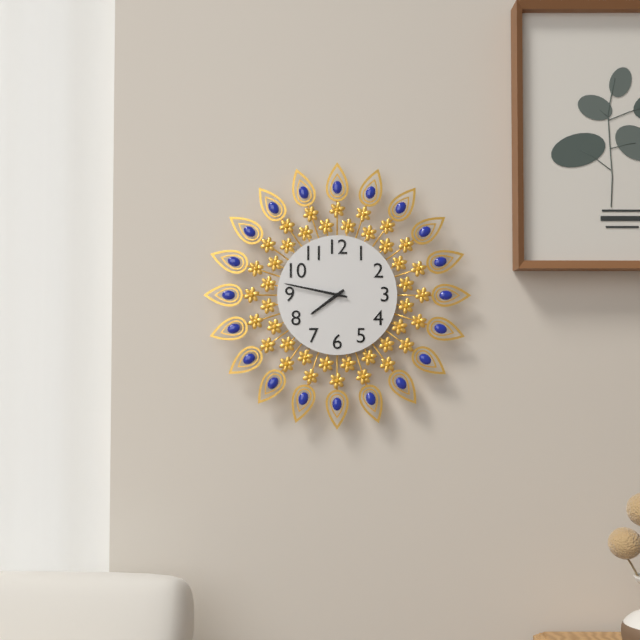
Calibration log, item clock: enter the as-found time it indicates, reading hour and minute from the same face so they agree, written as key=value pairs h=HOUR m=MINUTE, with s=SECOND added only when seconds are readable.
h=7 m=47
